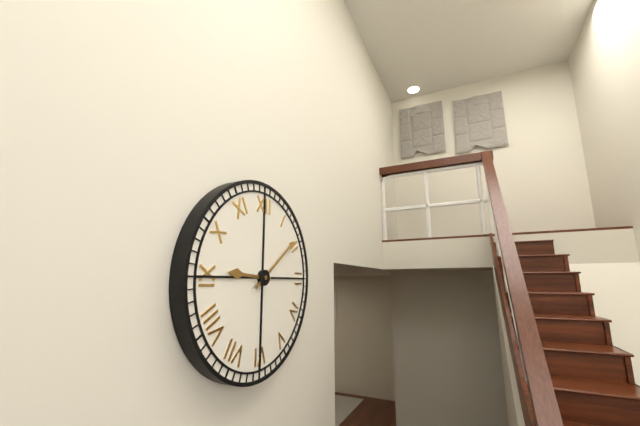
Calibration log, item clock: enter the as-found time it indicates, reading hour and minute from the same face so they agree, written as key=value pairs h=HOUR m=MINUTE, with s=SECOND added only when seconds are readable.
h=9 m=9
